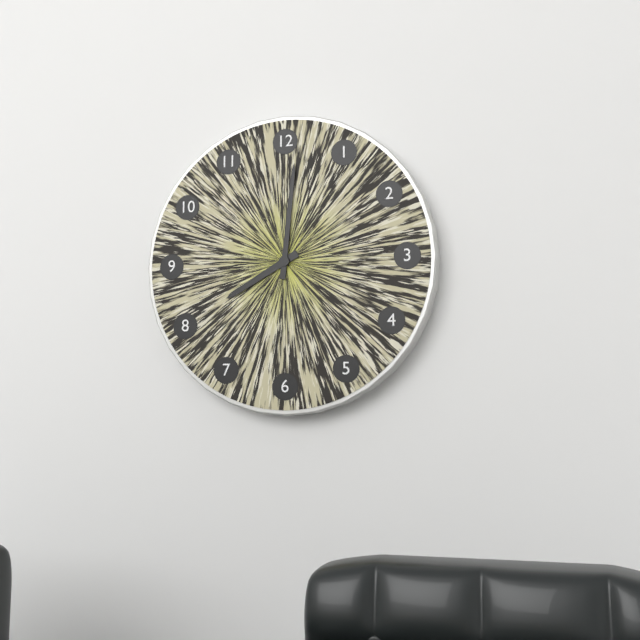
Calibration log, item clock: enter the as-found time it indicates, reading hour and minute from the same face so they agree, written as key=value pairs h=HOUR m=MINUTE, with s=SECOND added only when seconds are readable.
h=8 m=1
